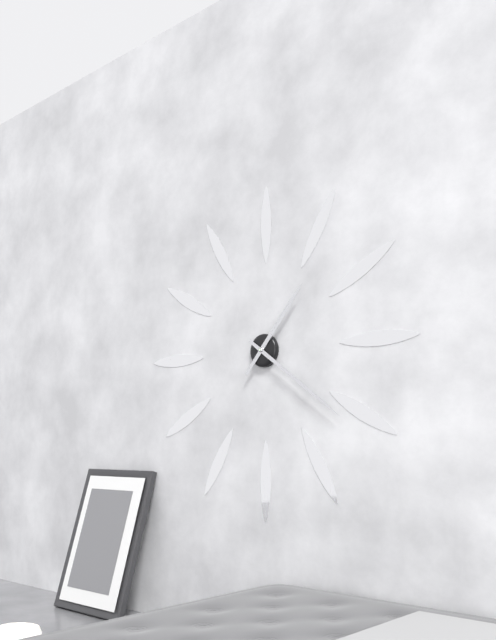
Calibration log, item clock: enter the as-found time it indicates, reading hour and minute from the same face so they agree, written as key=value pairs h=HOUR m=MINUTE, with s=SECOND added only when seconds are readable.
h=1 m=21
